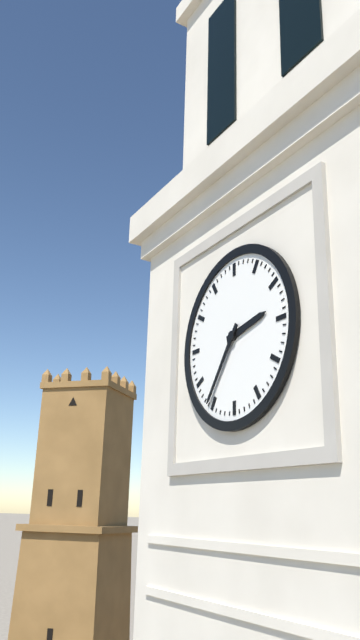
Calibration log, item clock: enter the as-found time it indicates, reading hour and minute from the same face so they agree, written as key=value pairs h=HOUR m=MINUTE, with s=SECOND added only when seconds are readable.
h=2 m=36
